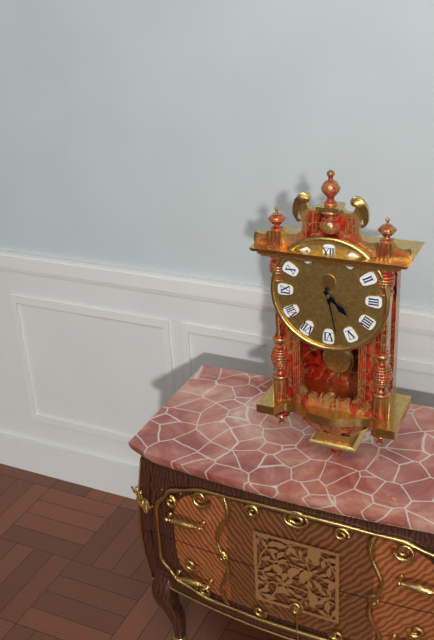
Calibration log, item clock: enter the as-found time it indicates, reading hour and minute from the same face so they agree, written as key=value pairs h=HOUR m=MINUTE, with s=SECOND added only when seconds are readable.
h=4 m=28
